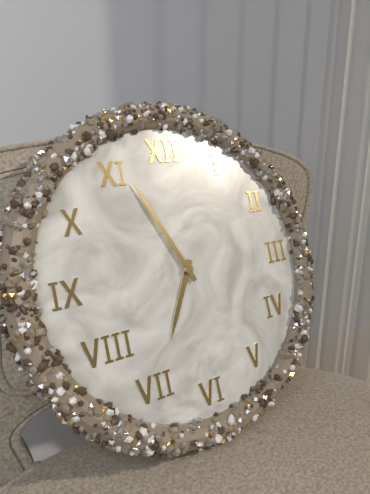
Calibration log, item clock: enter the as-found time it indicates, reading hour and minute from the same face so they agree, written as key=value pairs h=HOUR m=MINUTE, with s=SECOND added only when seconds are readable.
h=6 m=56
